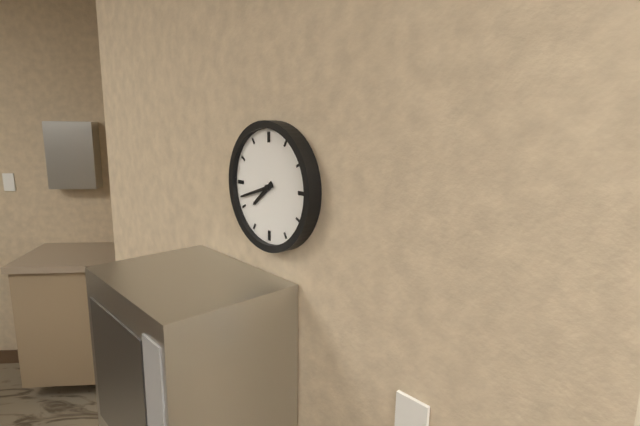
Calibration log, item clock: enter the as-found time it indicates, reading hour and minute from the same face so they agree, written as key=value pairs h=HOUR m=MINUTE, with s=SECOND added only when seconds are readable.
h=7 m=42
